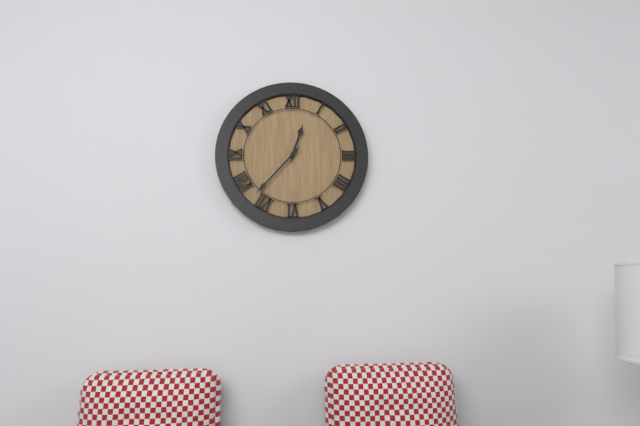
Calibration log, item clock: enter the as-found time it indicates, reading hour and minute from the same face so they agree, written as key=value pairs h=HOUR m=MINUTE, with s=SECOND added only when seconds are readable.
h=12 m=37
